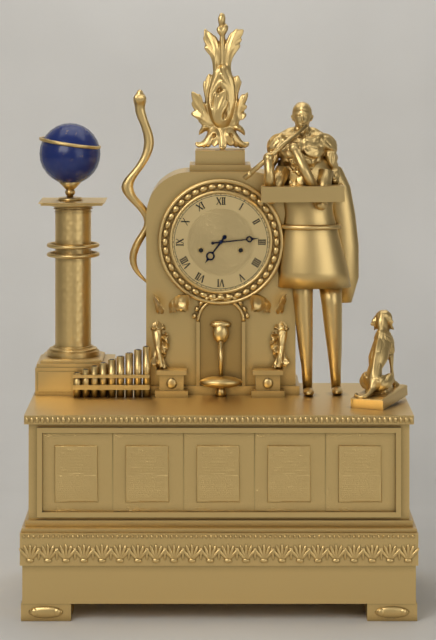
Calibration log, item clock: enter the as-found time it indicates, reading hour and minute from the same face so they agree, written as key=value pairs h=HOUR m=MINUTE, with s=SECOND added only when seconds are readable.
h=7 m=14
